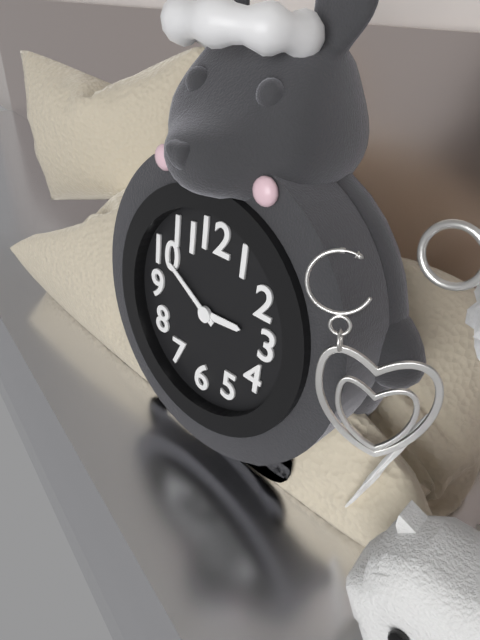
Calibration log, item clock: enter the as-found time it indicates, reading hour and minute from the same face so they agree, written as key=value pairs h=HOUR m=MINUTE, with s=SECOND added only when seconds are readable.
h=2 m=50
